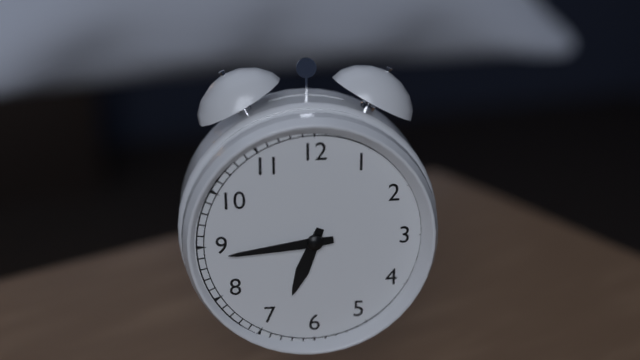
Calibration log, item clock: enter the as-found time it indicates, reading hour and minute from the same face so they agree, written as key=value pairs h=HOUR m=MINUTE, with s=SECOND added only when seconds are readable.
h=6 m=44
